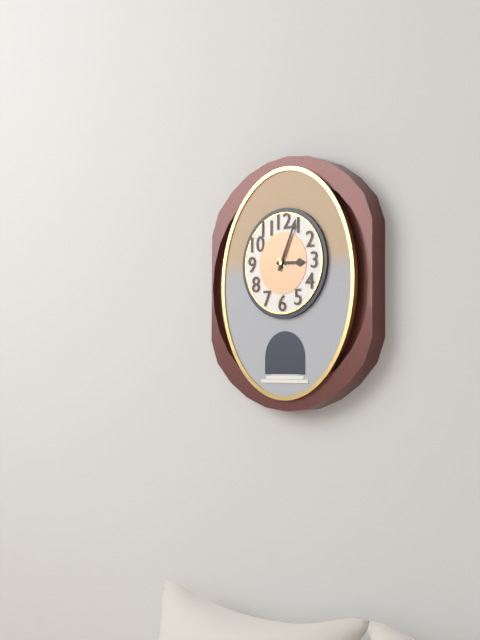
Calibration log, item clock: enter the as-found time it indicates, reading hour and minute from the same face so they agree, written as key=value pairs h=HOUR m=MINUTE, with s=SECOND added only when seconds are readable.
h=3 m=4
